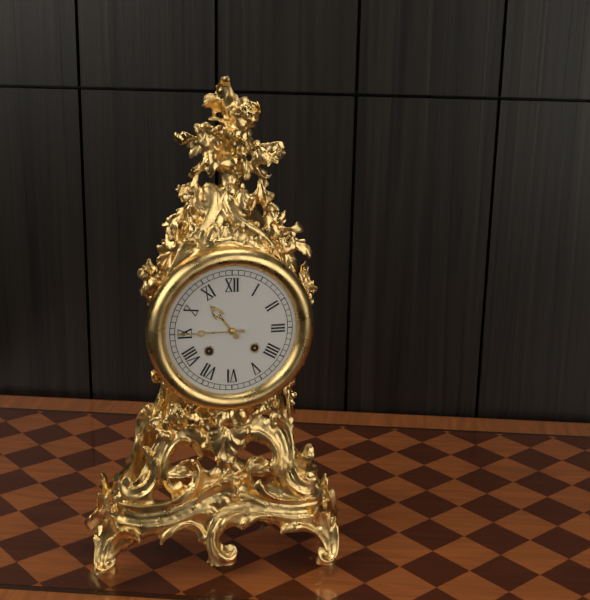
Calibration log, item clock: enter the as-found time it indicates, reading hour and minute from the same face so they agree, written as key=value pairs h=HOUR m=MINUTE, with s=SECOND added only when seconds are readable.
h=10 m=45
